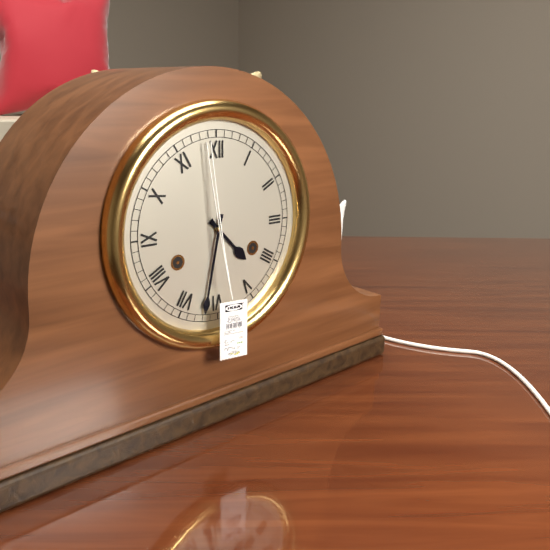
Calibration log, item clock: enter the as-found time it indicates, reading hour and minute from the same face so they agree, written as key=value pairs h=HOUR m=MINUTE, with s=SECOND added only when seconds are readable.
h=4 m=32
